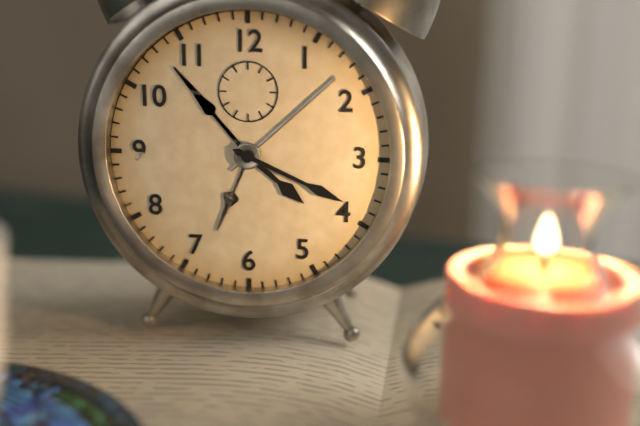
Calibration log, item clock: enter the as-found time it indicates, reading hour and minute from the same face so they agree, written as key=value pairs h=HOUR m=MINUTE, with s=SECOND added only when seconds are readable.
h=4 m=19
